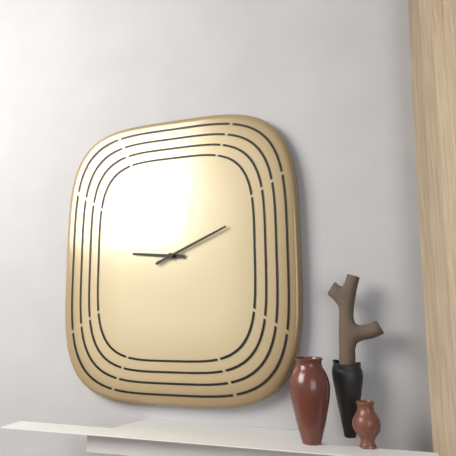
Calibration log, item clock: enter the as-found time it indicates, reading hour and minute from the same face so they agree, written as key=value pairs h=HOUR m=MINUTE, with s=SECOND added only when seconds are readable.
h=9 m=11
